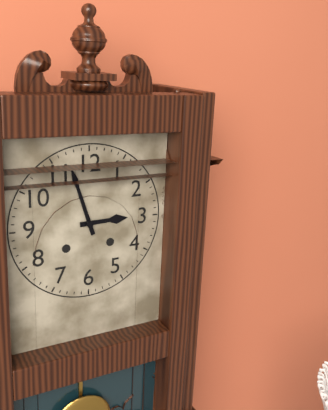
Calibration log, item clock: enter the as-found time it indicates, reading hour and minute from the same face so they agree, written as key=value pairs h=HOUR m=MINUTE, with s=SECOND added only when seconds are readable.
h=2 m=57
